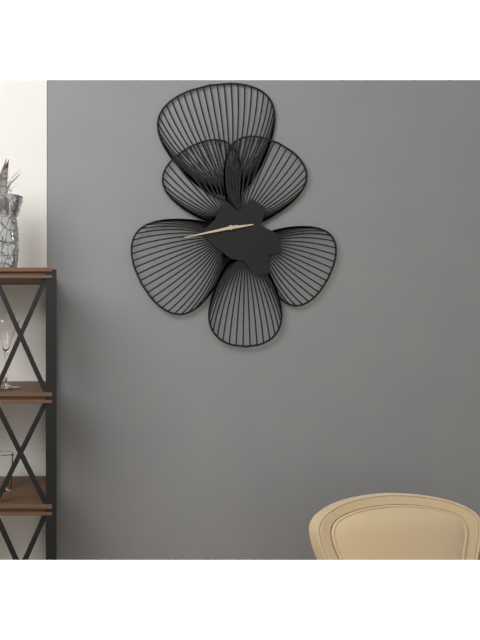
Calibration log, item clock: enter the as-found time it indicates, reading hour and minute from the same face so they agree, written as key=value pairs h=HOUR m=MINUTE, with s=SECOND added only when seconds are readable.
h=2 m=43
